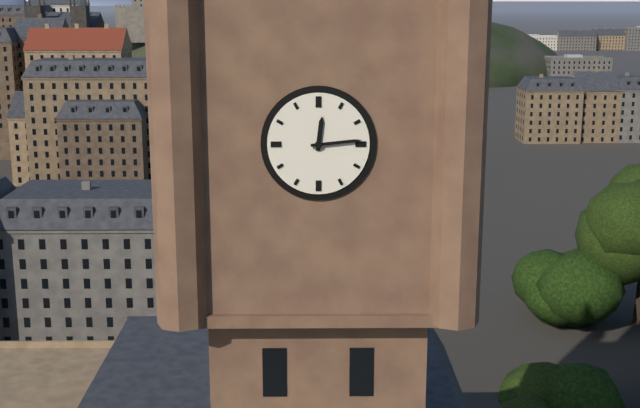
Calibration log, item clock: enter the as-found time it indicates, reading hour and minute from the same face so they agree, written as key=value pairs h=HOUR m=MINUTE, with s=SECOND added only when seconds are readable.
h=12 m=14
